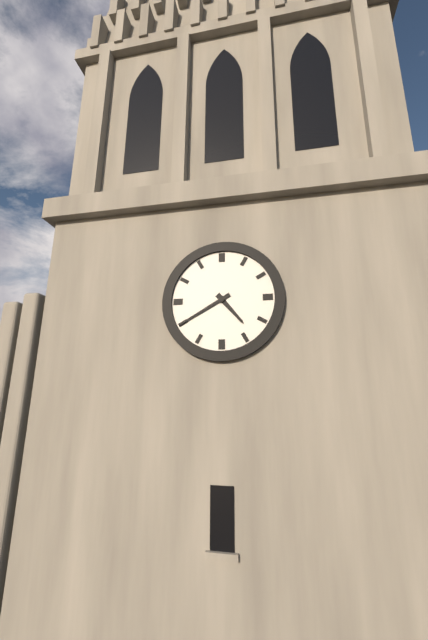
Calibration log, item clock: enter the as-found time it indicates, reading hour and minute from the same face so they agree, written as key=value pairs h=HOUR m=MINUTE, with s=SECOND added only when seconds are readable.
h=4 m=40
